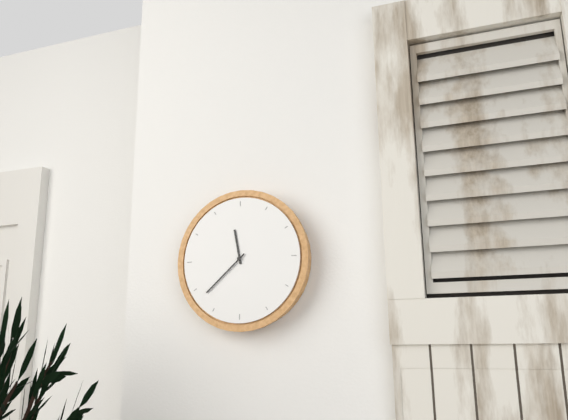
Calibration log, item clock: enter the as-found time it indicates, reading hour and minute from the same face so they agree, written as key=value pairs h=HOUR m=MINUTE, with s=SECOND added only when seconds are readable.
h=11 m=38
